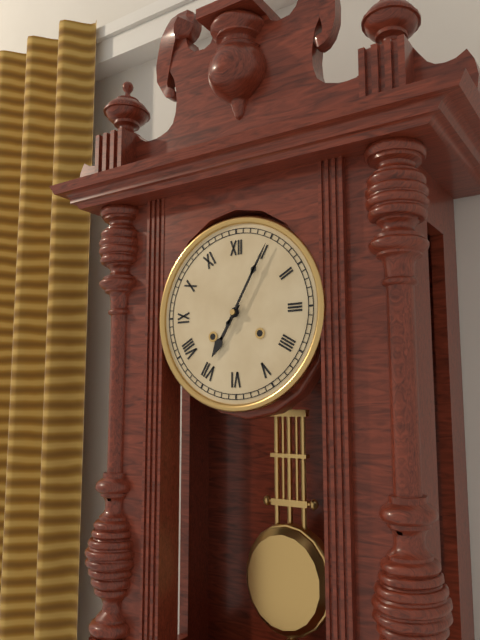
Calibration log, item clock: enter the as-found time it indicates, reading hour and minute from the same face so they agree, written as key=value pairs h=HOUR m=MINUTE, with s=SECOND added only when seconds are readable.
h=7 m=5
